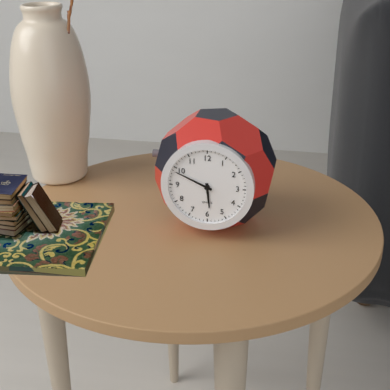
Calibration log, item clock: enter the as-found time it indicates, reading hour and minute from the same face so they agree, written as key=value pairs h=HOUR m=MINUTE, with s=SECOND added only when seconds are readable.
h=5 m=49
